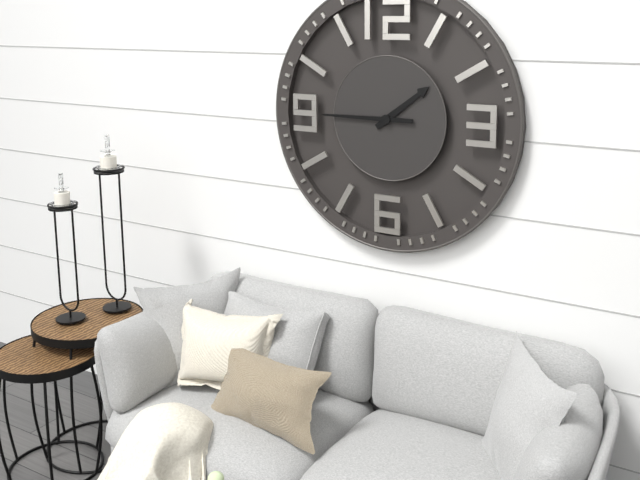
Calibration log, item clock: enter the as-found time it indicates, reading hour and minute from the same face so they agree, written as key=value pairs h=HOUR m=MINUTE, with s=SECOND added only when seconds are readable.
h=1 m=45
